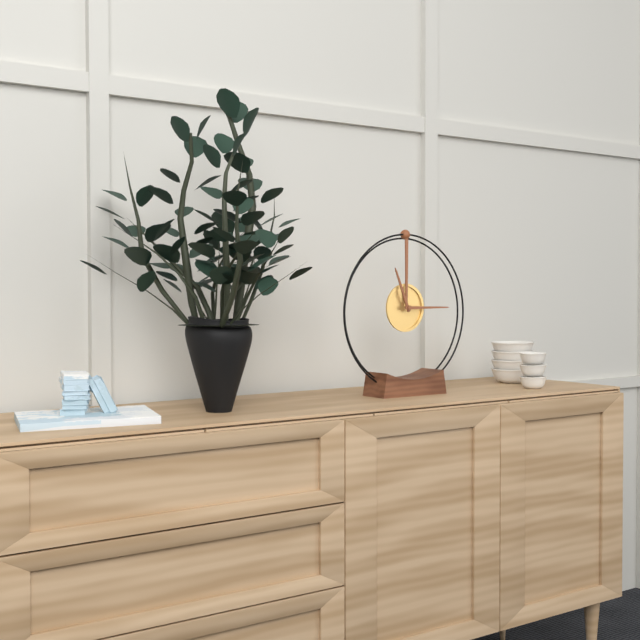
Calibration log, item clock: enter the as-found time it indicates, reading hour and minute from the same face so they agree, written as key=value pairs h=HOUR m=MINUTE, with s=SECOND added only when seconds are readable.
h=11 m=15
